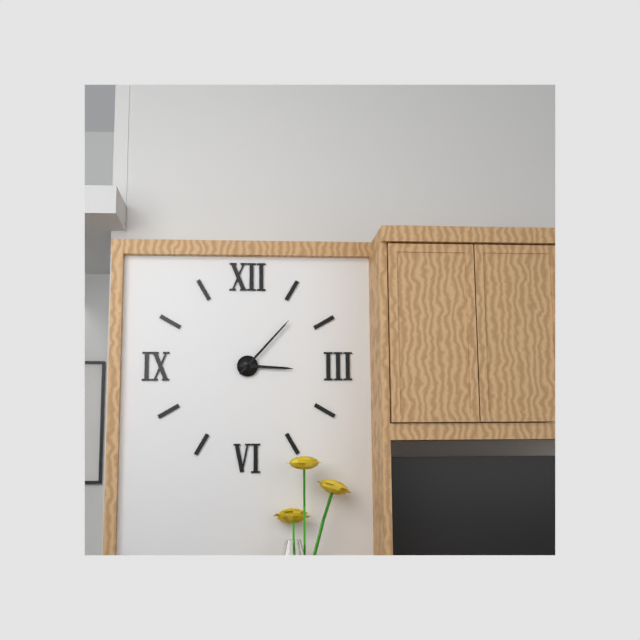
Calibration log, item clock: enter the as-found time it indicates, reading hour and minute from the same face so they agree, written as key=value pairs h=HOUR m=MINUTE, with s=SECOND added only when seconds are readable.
h=3 m=7
